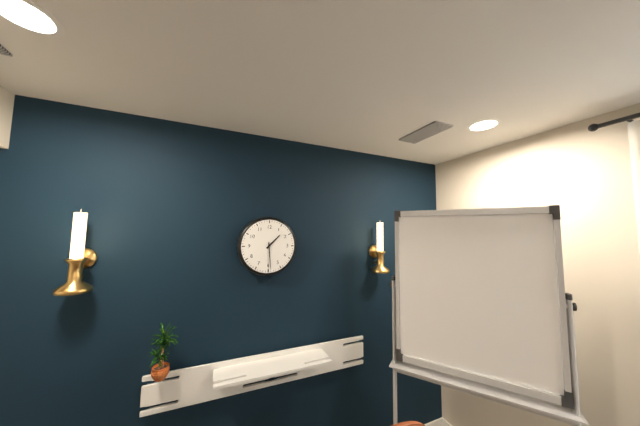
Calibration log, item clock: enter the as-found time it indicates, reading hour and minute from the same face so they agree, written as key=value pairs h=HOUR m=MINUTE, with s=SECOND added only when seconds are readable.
h=1 m=29
